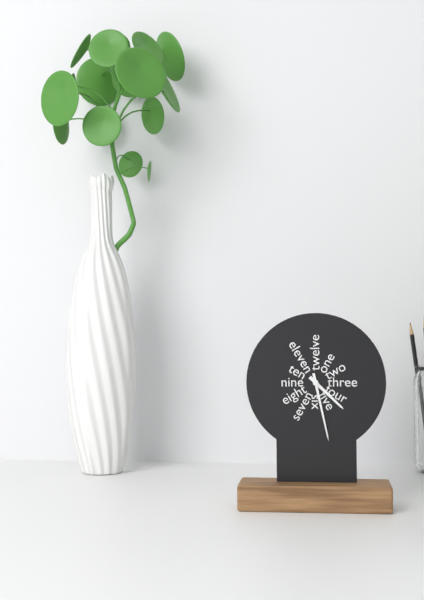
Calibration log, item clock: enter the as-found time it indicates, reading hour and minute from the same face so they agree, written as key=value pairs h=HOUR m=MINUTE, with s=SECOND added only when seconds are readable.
h=4 m=28
